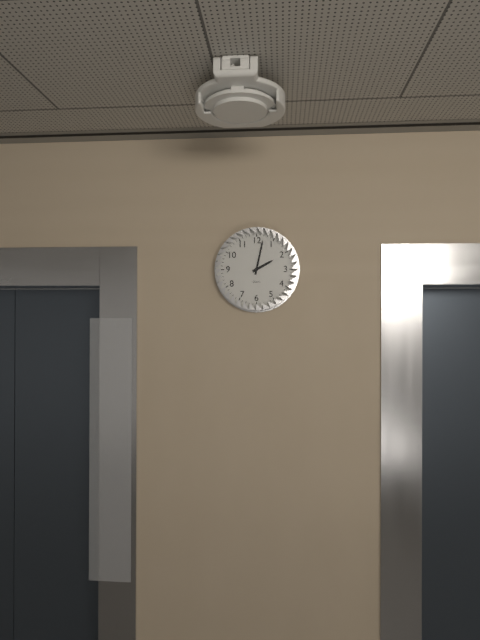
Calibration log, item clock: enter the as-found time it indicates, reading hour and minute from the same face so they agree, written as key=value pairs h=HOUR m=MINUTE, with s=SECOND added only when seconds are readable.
h=2 m=2
